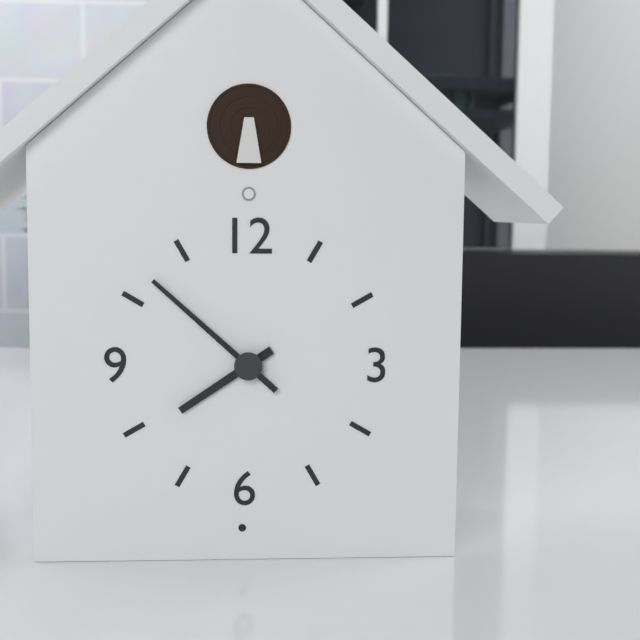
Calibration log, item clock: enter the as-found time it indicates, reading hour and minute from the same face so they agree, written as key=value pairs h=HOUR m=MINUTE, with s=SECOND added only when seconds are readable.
h=7 m=52
